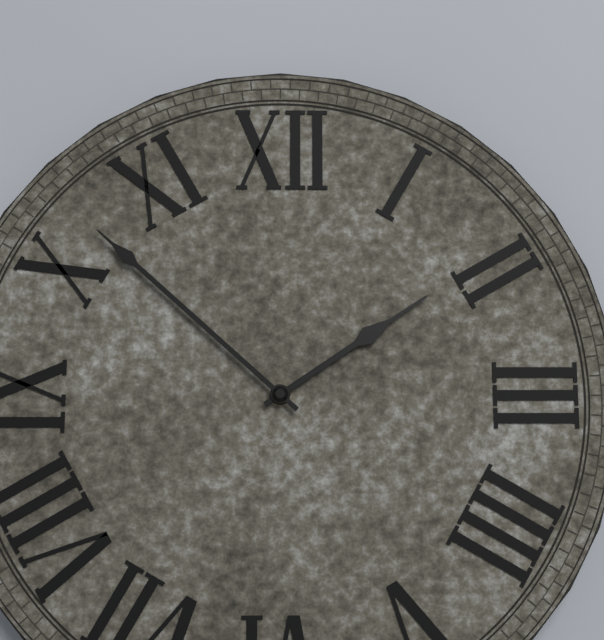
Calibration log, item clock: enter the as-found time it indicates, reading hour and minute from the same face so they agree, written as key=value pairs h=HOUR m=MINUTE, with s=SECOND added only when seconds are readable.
h=1 m=52
